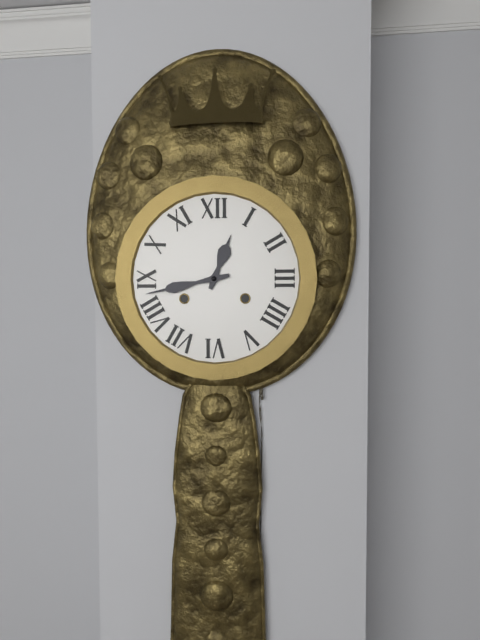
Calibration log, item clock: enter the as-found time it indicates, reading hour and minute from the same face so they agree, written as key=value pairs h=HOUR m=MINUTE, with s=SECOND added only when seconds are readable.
h=12 m=43
